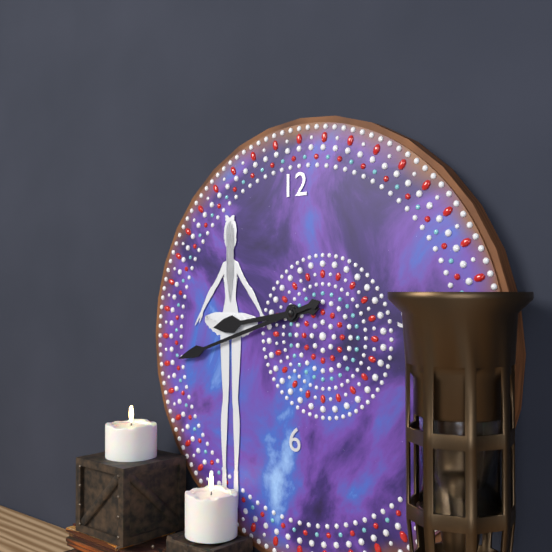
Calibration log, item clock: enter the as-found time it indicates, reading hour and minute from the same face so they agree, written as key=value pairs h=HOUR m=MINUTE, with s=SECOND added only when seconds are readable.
h=8 m=42
